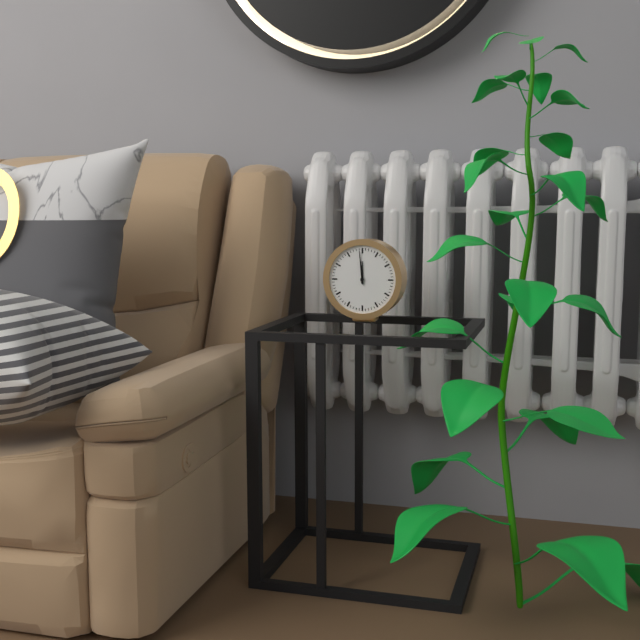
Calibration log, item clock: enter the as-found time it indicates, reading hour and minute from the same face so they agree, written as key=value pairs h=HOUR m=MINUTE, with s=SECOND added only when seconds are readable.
h=11 m=59
